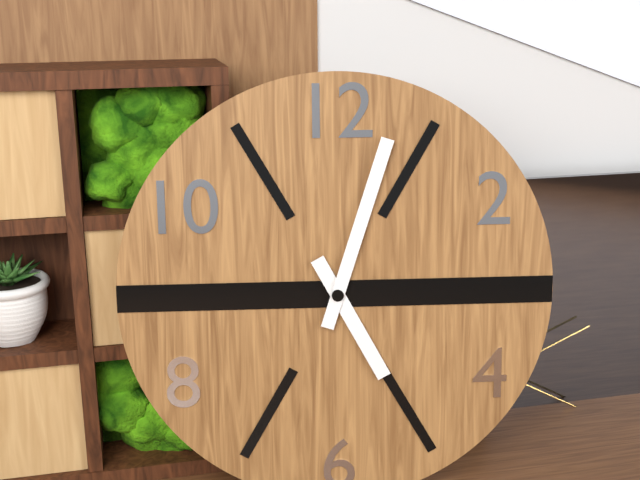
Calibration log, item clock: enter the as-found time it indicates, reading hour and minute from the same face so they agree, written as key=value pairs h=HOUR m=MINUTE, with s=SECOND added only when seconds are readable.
h=5 m=3
